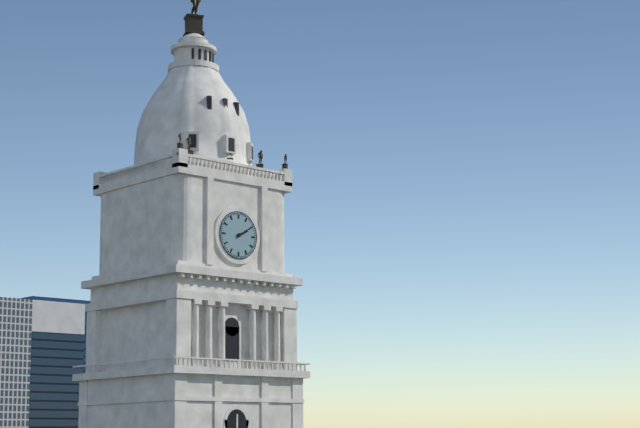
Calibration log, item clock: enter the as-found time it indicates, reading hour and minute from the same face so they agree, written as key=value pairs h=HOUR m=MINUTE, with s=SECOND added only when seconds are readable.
h=2 m=10
